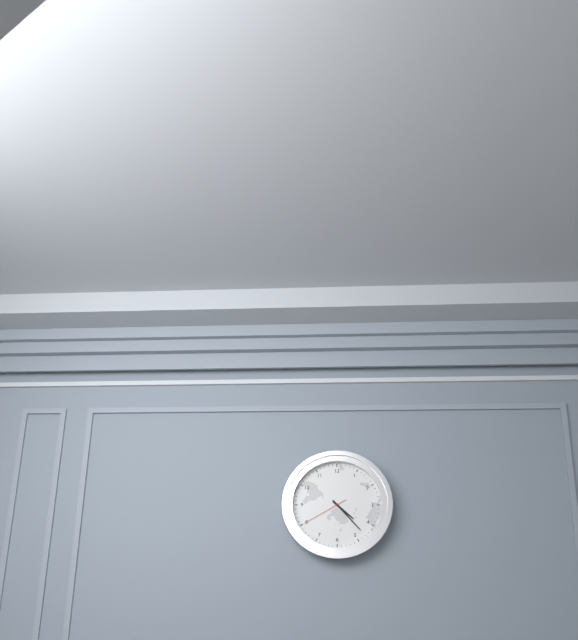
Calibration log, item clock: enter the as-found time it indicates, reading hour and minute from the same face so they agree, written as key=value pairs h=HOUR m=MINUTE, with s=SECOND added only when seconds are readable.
h=4 m=23
